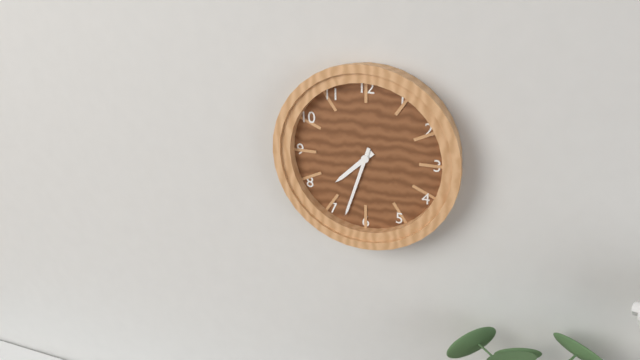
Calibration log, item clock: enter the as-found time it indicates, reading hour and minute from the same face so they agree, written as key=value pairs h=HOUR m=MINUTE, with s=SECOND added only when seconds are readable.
h=7 m=33
